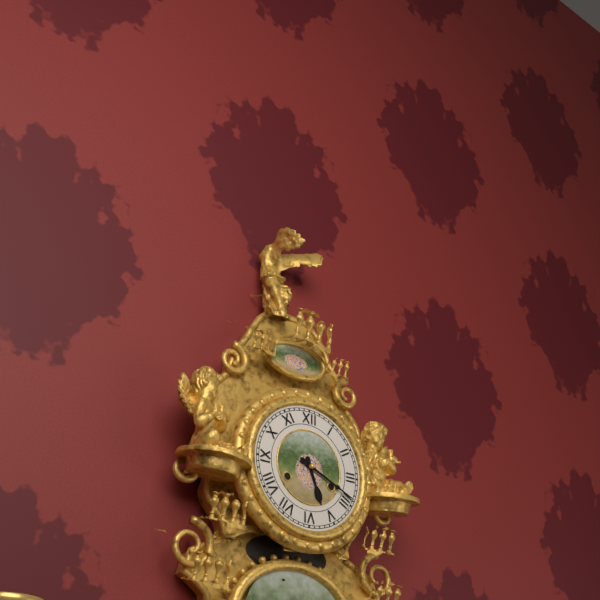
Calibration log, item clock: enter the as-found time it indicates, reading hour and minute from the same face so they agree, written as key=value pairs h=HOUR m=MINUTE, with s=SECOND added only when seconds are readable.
h=5 m=19
